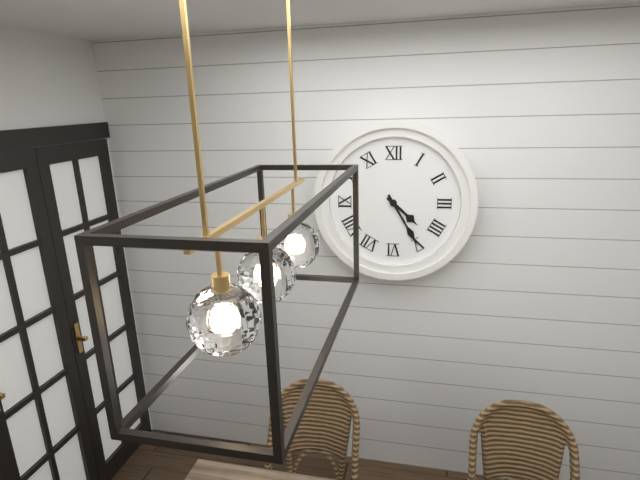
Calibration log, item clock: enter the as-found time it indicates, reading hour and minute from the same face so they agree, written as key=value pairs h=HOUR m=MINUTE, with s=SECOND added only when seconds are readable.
h=4 m=25
